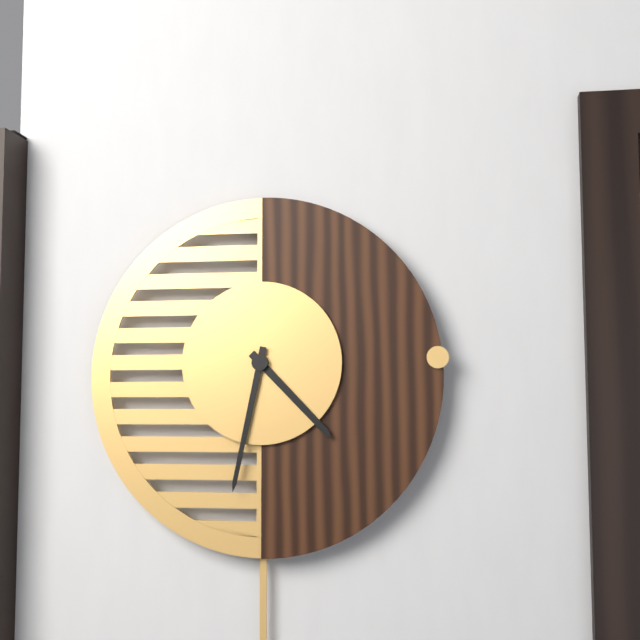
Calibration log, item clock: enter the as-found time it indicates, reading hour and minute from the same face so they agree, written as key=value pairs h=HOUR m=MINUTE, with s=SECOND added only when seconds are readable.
h=4 m=32
